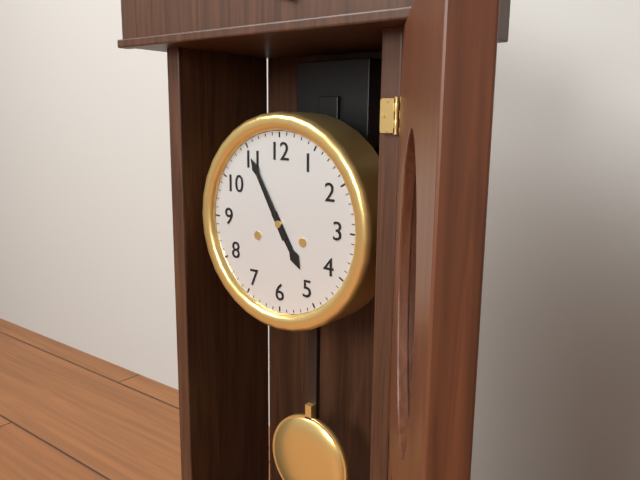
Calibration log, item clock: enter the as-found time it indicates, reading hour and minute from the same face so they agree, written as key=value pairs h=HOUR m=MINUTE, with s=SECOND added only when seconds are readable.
h=4 m=55
